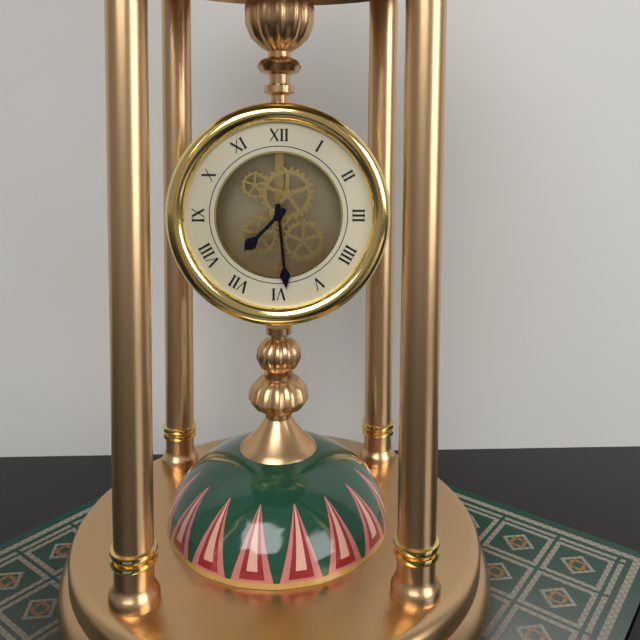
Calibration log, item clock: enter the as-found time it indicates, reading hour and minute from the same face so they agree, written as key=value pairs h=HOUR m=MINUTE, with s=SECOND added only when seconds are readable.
h=7 m=29
